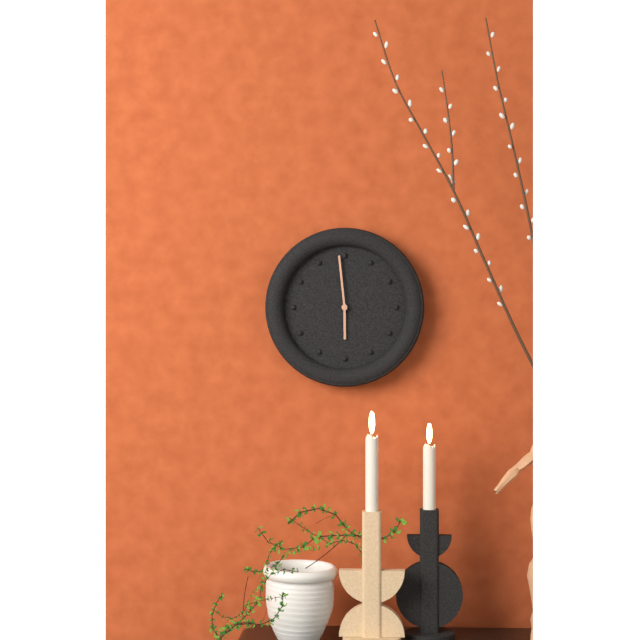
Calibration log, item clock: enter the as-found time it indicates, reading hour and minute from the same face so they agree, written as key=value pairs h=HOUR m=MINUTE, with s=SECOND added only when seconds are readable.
h=5 m=59
